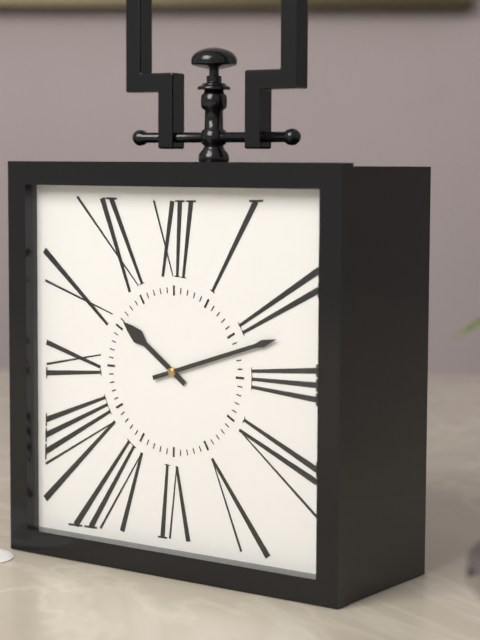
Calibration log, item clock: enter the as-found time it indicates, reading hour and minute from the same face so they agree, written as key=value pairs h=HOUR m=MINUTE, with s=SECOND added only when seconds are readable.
h=10 m=12
